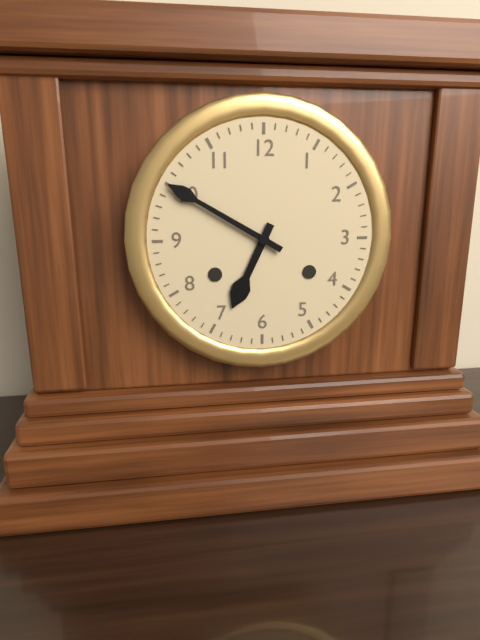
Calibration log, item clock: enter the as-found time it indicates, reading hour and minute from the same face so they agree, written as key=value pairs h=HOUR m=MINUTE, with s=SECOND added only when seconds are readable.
h=6 m=50
